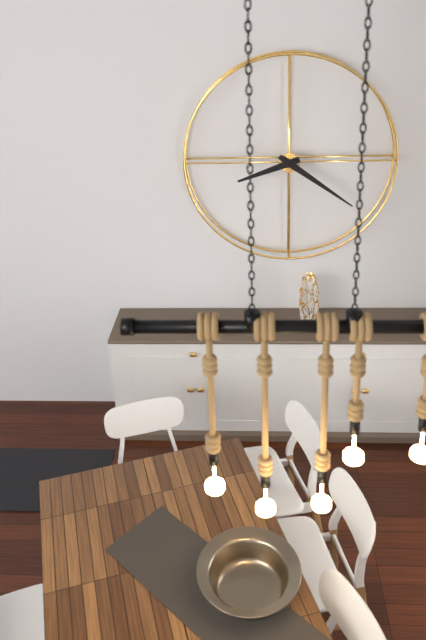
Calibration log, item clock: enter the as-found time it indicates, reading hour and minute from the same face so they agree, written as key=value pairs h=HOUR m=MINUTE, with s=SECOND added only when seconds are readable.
h=8 m=21
